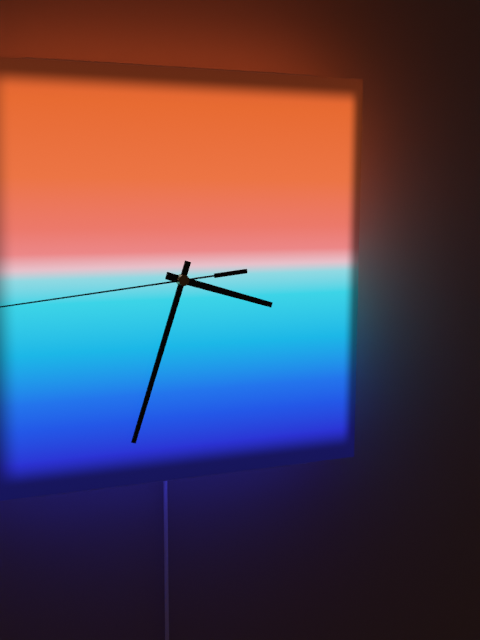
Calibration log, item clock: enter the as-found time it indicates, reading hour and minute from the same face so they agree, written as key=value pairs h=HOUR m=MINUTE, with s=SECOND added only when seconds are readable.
h=3 m=33
